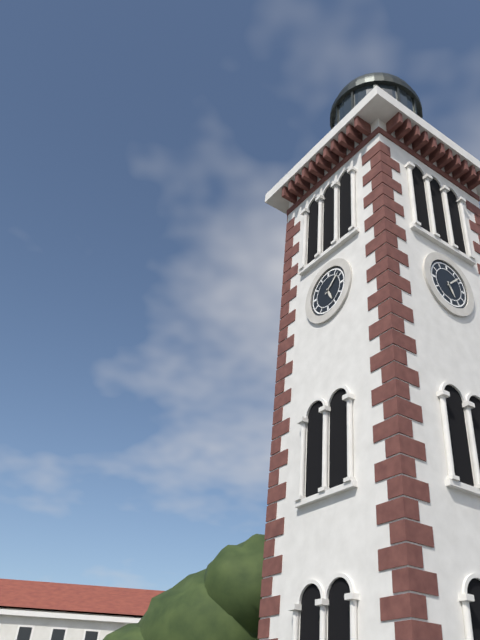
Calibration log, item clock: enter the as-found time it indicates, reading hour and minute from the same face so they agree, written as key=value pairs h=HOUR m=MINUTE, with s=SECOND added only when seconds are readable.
h=5 m=8
